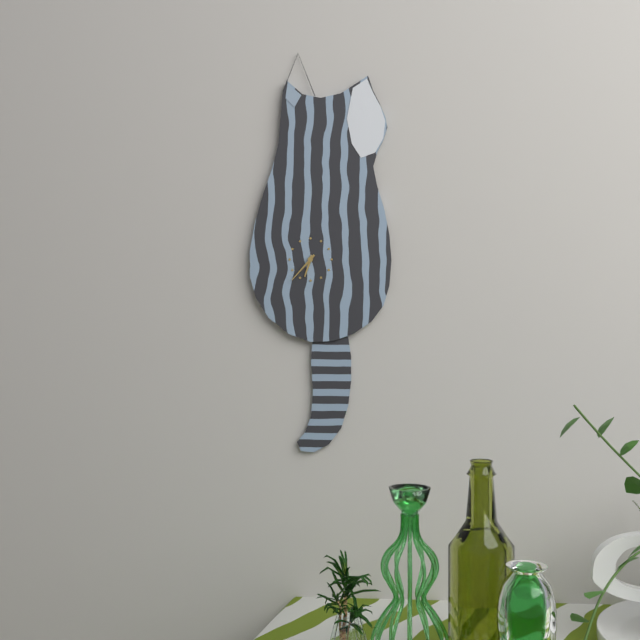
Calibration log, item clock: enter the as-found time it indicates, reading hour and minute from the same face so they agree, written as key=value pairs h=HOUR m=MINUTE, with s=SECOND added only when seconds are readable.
h=6 m=37
